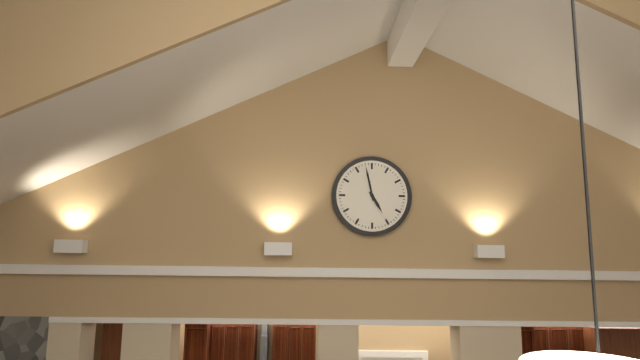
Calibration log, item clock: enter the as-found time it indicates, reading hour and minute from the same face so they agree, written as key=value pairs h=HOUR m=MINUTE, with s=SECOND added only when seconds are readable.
h=4 m=58
